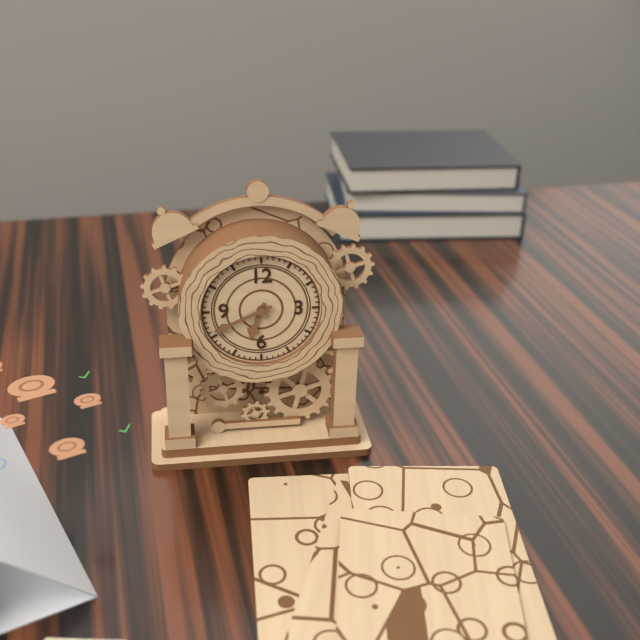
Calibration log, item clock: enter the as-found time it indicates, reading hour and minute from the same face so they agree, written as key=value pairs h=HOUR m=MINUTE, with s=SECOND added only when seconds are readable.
h=6 m=41
